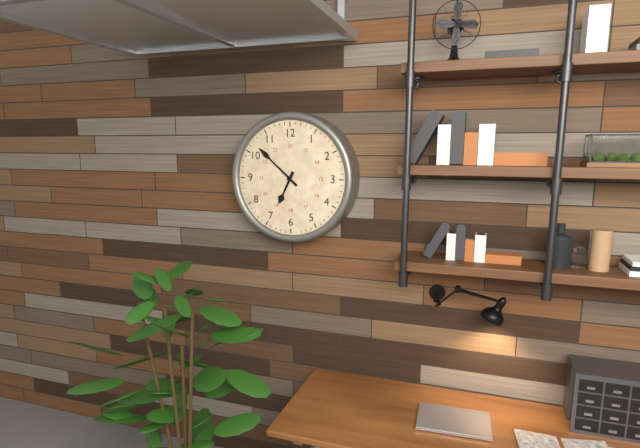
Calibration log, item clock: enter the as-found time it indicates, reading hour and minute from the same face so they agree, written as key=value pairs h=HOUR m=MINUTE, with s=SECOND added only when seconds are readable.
h=6 m=52
